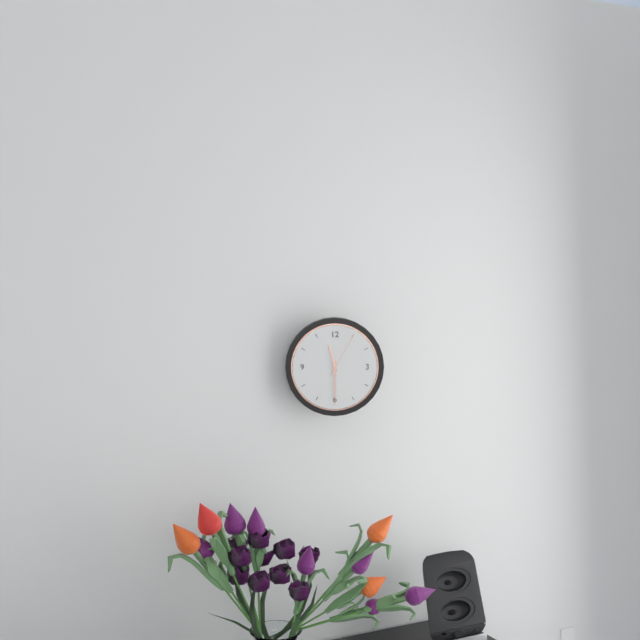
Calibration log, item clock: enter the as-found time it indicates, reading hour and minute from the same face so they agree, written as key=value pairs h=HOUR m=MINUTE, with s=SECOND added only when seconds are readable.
h=11 m=30
